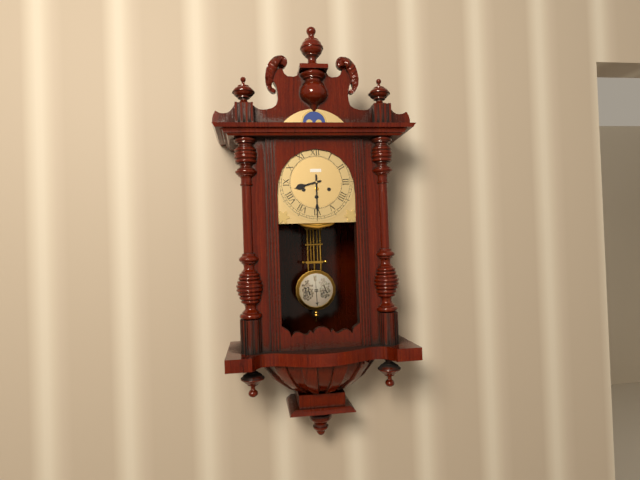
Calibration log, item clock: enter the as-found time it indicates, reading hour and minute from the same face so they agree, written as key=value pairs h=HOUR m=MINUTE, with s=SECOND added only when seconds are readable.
h=8 m=30
